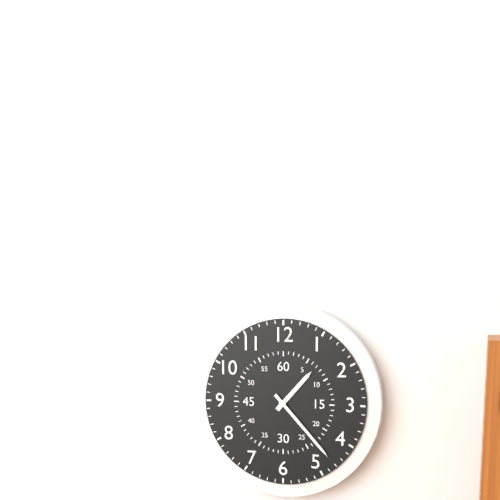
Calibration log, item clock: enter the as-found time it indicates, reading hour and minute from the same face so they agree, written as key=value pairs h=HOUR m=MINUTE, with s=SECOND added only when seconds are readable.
h=1 m=23
